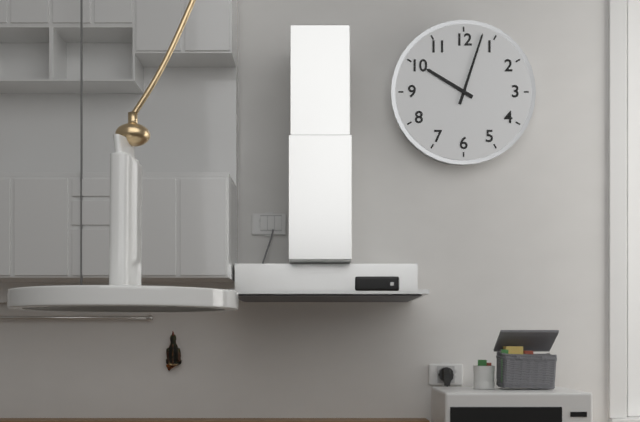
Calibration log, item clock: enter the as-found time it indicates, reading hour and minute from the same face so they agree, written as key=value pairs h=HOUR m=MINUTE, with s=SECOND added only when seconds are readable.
h=10 m=3
